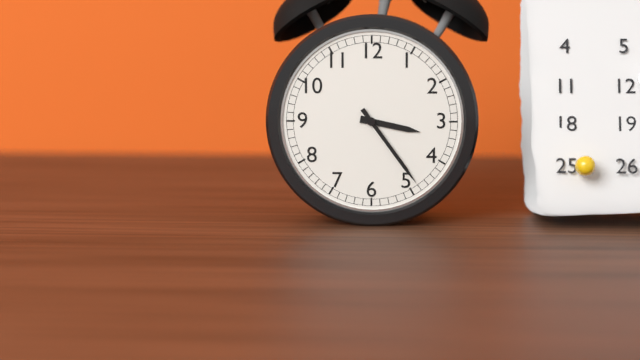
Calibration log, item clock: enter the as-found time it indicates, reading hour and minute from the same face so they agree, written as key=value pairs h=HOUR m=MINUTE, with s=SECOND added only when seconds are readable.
h=3 m=24
